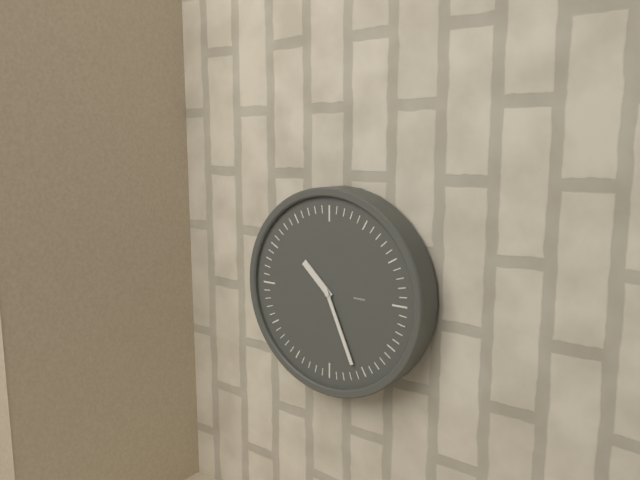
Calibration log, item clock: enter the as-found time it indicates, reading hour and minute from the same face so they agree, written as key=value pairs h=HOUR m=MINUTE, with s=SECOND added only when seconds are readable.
h=10 m=26
